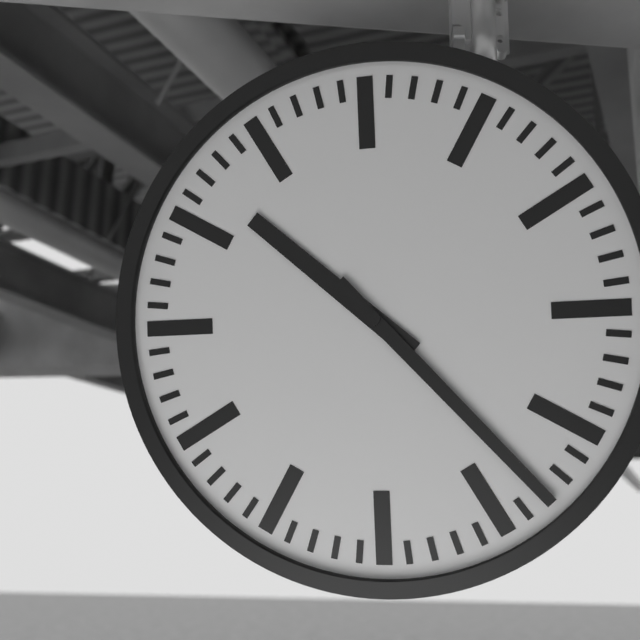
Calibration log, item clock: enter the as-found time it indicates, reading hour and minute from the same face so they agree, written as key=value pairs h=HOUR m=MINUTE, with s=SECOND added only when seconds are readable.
h=10 m=23
